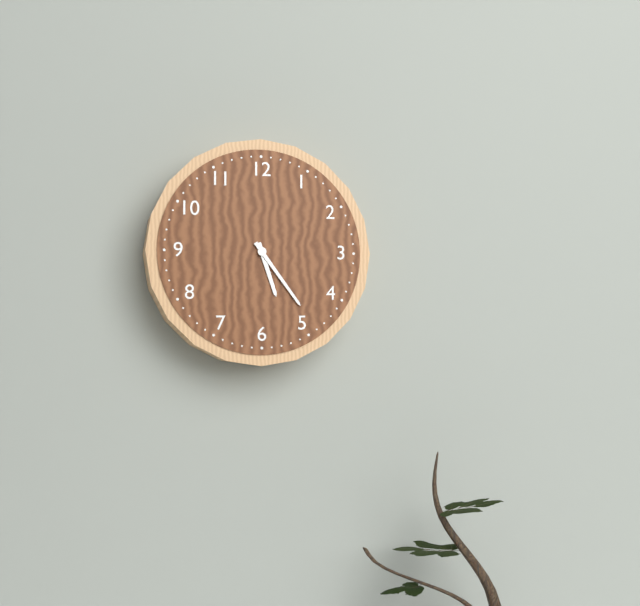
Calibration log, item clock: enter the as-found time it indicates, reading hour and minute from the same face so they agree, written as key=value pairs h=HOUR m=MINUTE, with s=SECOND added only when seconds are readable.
h=5 m=24
